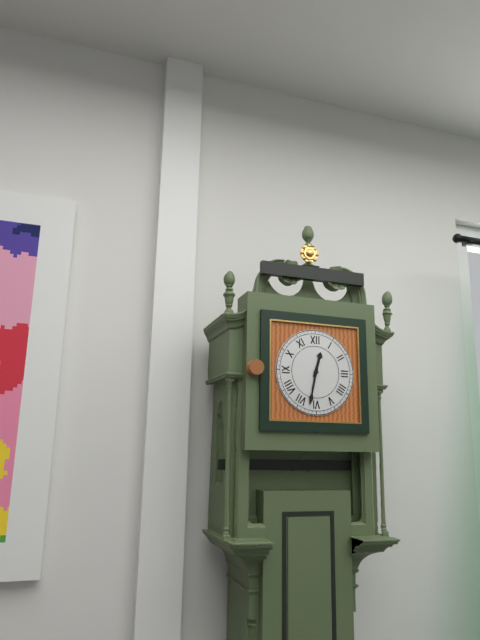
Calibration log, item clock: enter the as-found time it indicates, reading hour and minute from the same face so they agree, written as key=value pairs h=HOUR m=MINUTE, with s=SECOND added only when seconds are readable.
h=12 m=32
